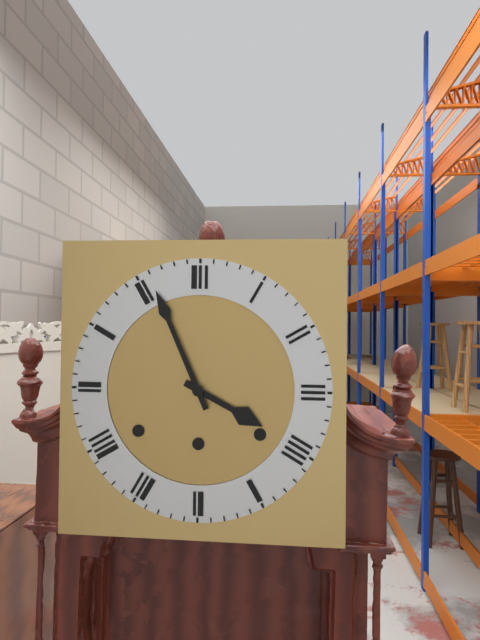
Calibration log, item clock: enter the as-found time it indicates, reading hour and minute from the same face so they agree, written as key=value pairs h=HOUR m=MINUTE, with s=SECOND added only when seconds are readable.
h=3 m=56
